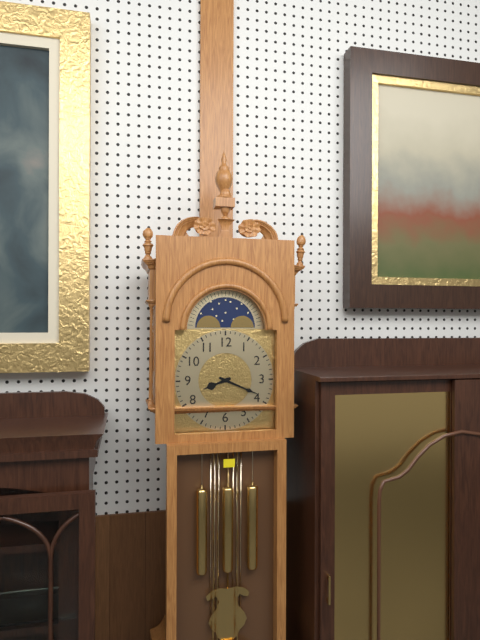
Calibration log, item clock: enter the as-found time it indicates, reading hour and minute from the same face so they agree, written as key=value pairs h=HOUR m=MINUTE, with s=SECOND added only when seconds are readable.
h=8 m=19
